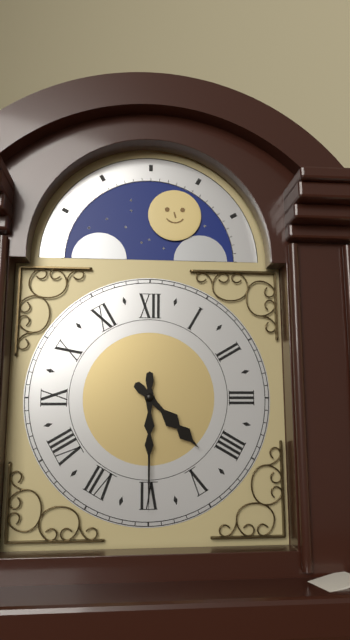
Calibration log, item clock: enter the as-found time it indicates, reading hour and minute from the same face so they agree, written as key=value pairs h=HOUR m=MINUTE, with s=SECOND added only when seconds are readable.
h=4 m=30
